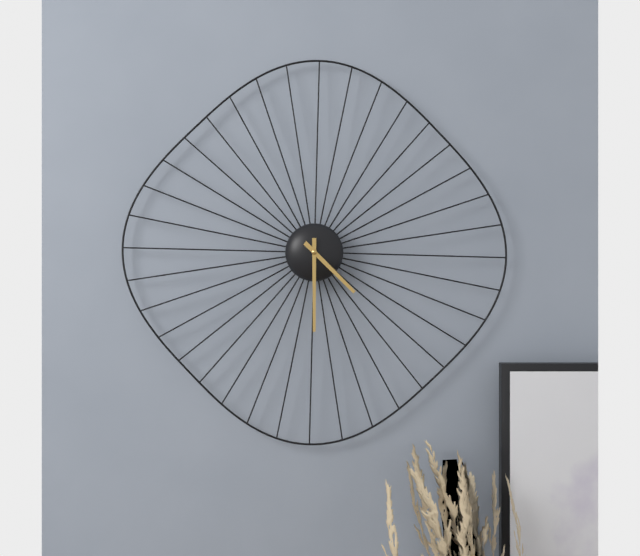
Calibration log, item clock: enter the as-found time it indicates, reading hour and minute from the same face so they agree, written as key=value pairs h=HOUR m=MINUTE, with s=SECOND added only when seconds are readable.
h=4 m=30
